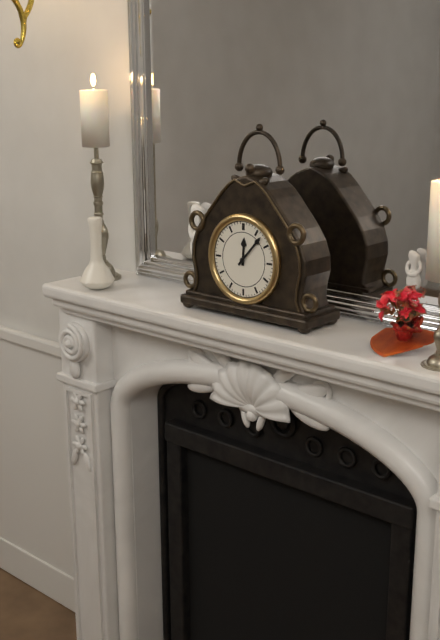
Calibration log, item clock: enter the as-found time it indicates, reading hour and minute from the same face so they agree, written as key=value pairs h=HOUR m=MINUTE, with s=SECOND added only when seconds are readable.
h=12 m=7
